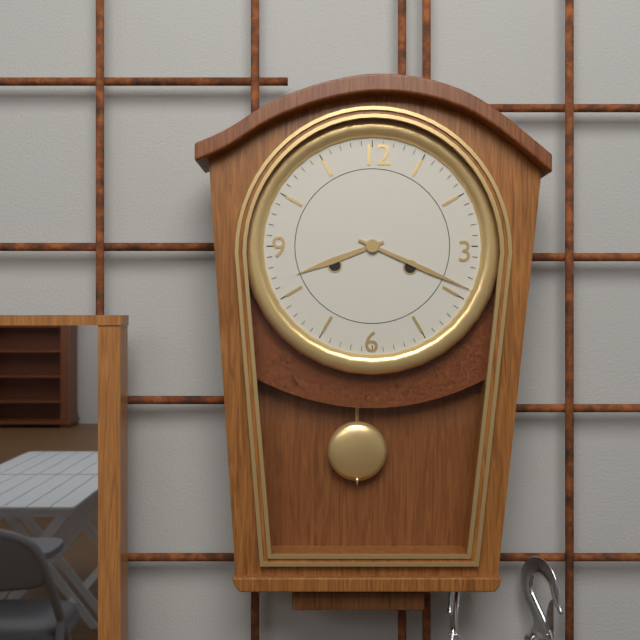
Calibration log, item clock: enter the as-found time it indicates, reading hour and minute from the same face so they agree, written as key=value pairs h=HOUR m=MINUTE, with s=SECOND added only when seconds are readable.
h=8 m=19
